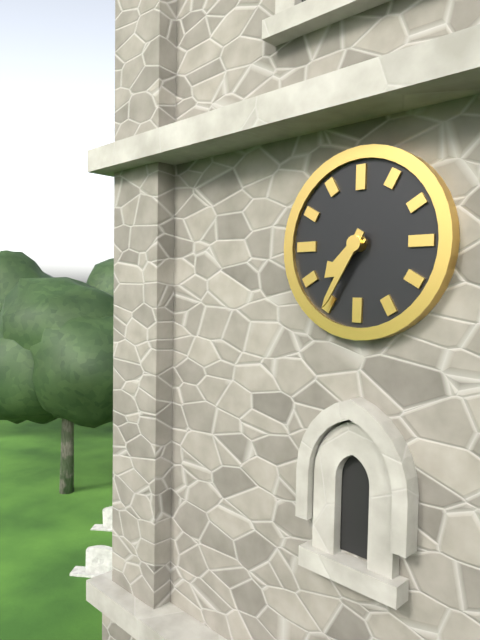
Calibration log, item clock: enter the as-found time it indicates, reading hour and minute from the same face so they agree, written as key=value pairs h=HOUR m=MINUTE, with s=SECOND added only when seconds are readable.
h=7 m=35
